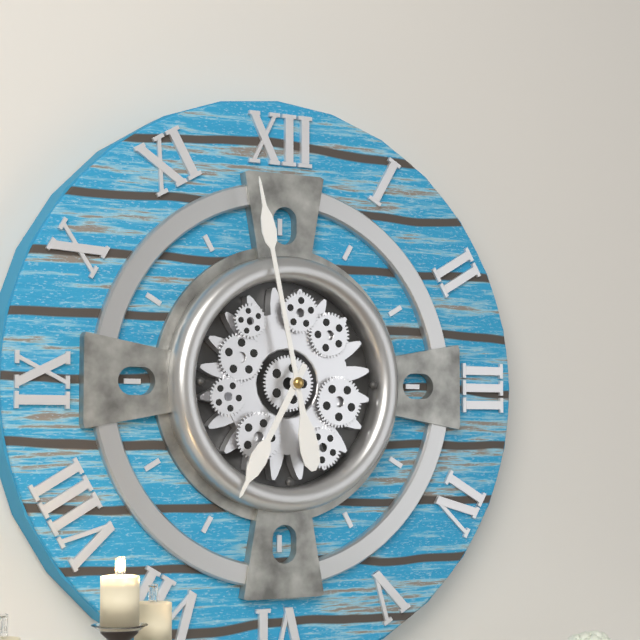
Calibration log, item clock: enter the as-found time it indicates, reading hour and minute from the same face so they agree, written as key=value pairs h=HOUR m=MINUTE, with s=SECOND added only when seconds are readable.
h=6 m=58
